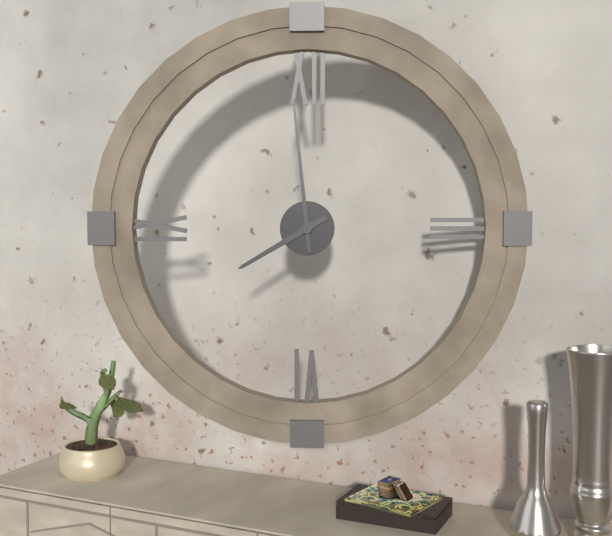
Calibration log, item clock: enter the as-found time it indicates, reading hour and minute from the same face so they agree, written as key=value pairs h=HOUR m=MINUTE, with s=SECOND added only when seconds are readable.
h=7 m=59
